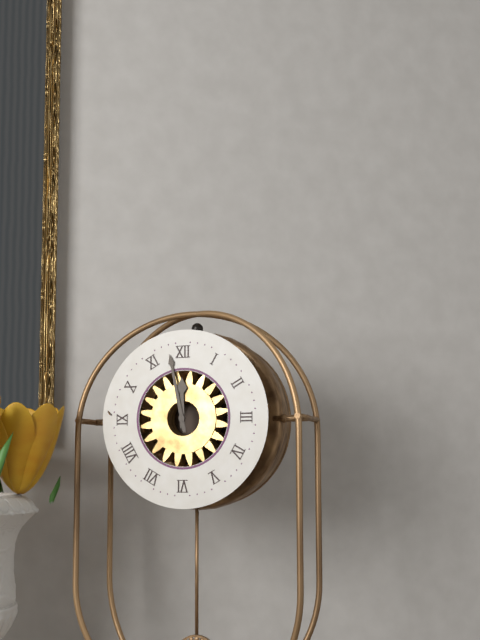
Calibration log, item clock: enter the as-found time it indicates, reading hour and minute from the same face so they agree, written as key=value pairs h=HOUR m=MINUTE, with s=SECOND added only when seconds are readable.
h=11 m=58
